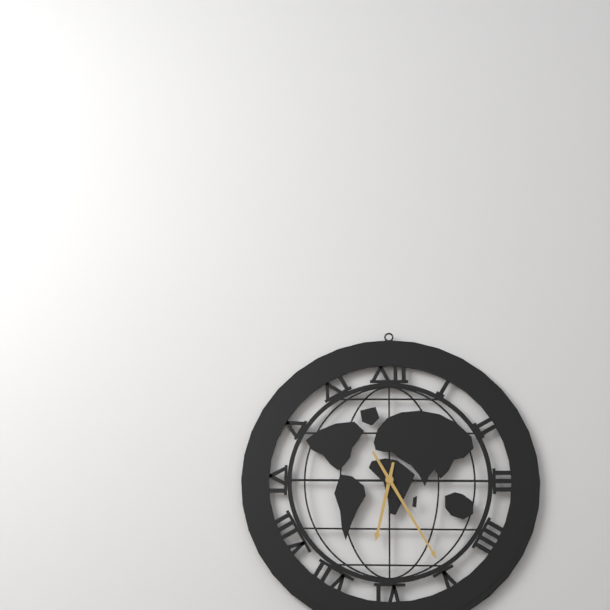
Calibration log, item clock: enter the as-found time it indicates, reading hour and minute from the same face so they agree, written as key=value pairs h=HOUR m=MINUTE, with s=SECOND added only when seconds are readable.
h=6 m=25
